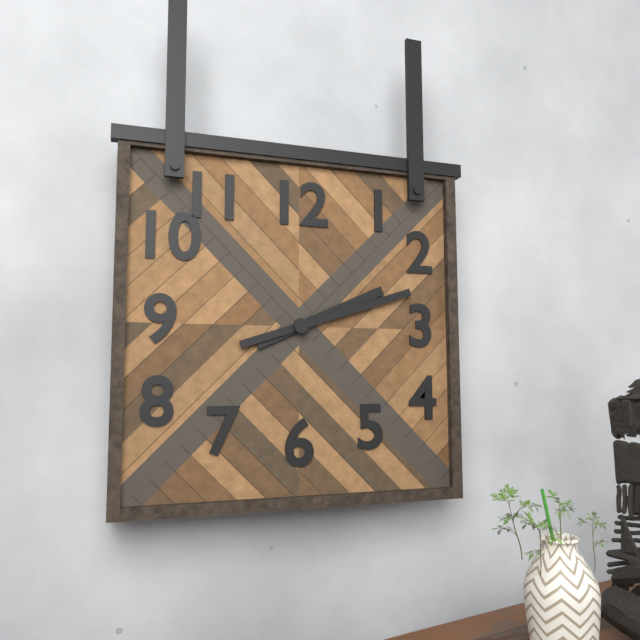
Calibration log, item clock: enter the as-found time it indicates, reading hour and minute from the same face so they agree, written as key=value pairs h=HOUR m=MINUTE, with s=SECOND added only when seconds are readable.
h=2 m=12
